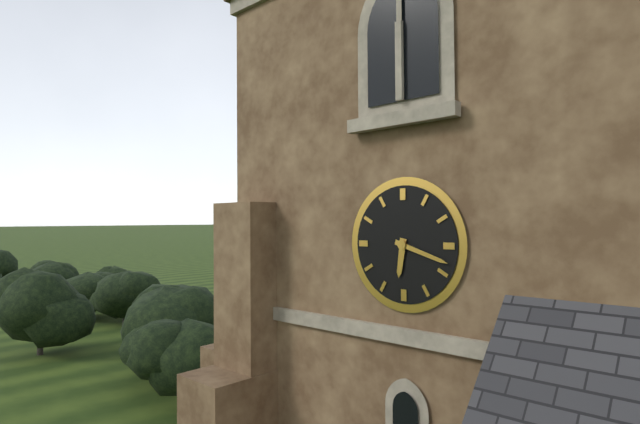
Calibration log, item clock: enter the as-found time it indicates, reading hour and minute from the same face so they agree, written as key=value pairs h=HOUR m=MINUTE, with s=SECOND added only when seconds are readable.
h=6 m=18
